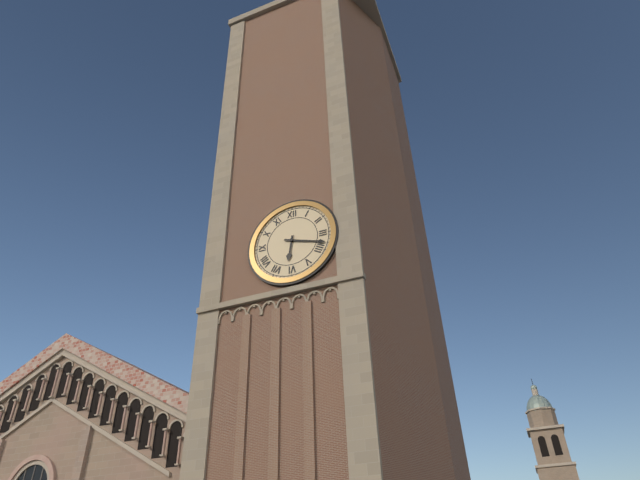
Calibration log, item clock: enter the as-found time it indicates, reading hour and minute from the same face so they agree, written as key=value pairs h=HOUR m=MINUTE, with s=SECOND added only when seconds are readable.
h=6 m=18
